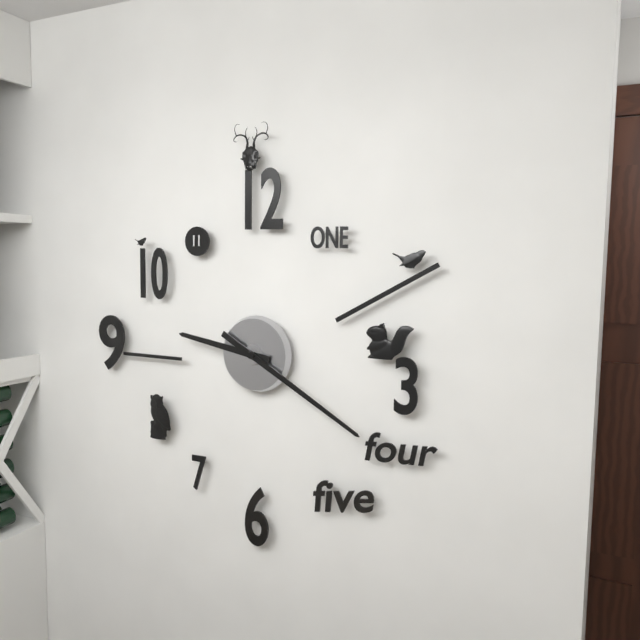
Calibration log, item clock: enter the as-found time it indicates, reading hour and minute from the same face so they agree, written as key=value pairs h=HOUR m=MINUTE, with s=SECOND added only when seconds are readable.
h=9 m=20
